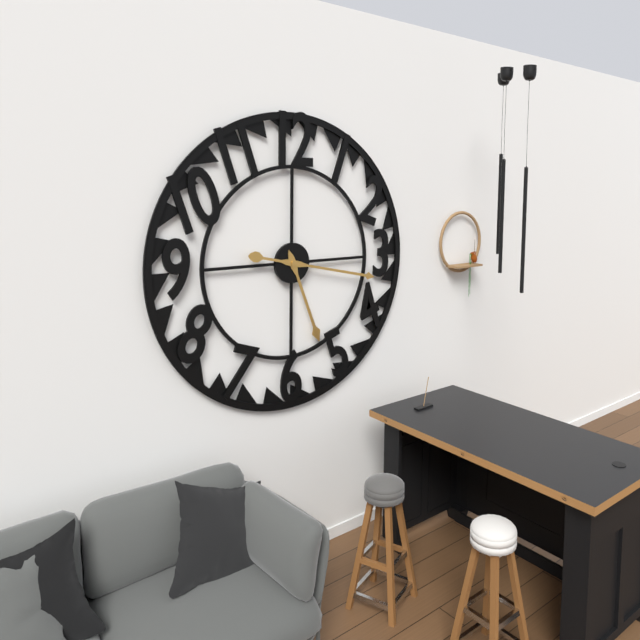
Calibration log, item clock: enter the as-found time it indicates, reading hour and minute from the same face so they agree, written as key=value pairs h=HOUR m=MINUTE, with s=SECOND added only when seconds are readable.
h=5 m=17
